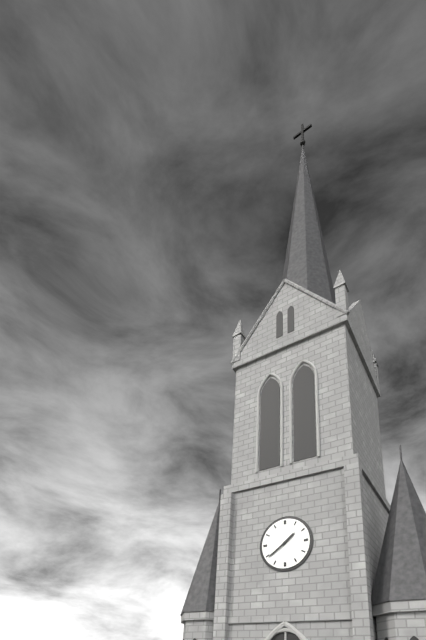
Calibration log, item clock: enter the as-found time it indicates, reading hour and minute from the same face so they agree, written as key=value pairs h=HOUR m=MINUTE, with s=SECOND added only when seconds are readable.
h=1 m=39
